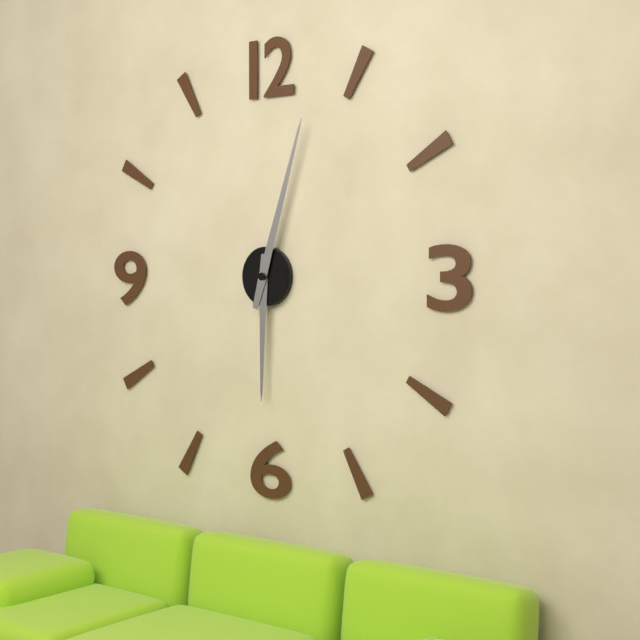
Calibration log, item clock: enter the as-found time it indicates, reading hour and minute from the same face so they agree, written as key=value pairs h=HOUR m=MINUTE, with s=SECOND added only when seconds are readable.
h=6 m=3
